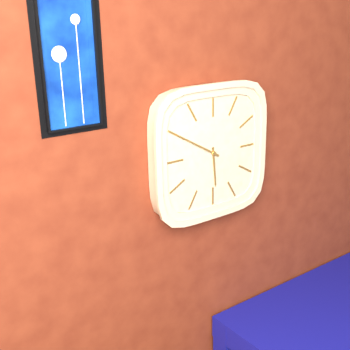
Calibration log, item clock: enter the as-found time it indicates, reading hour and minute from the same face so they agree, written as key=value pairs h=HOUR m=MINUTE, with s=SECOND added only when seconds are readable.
h=5 m=50
